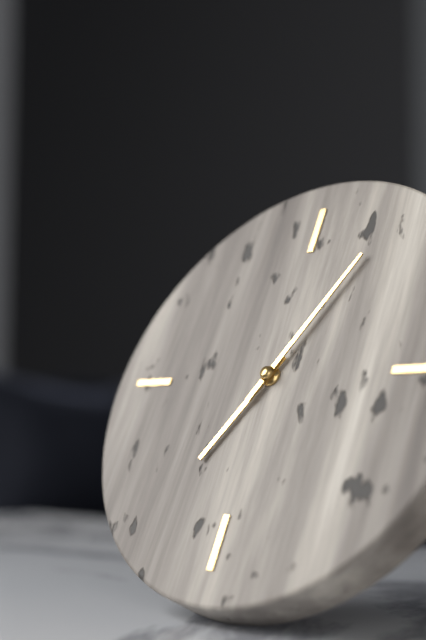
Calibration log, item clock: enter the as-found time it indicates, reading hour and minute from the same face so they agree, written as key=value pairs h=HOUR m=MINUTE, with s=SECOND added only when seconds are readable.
h=7 m=5
